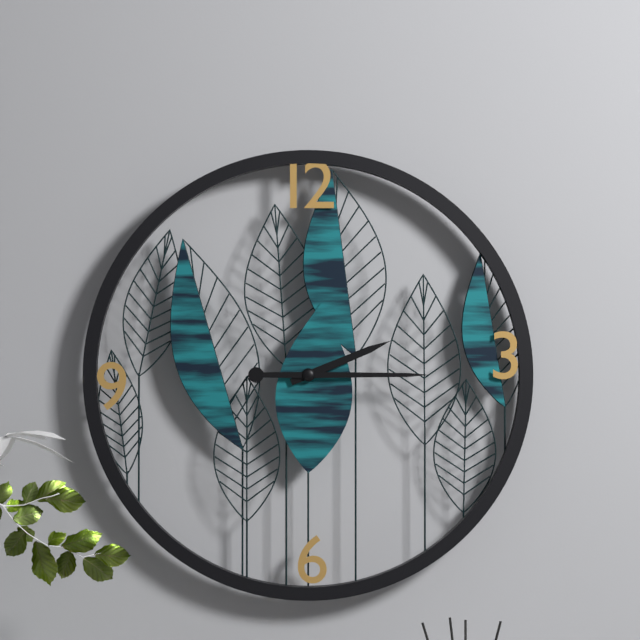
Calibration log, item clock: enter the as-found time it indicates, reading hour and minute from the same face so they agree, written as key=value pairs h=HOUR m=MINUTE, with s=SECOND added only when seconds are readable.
h=2 m=15
